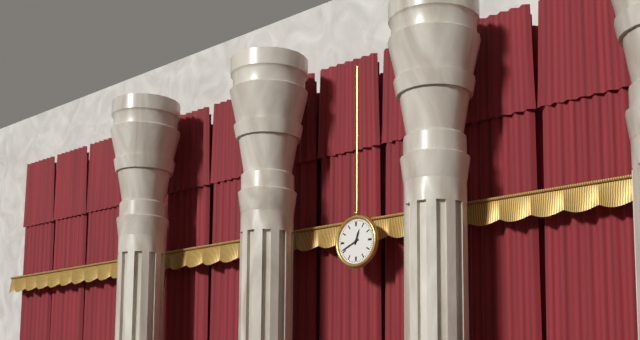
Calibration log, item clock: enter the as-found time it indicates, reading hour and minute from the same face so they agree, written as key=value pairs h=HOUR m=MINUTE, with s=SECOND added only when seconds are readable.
h=12 m=41
